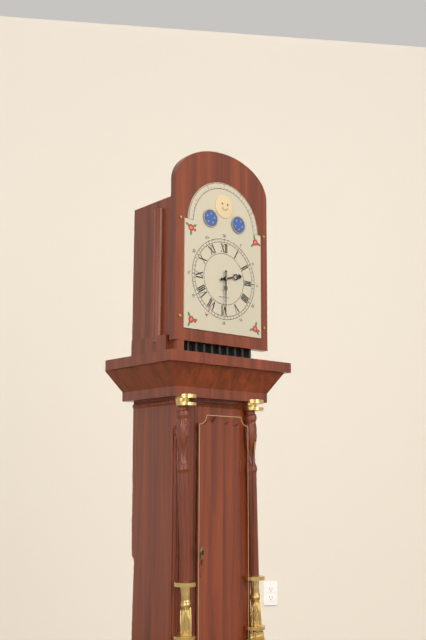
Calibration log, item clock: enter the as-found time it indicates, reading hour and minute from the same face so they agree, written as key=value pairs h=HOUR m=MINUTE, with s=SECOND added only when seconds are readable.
h=2 m=30
